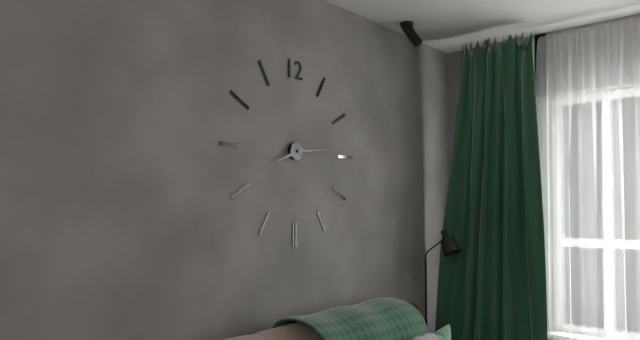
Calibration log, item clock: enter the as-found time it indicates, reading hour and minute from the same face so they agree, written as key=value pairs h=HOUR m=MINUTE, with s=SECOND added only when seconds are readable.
h=8 m=14
